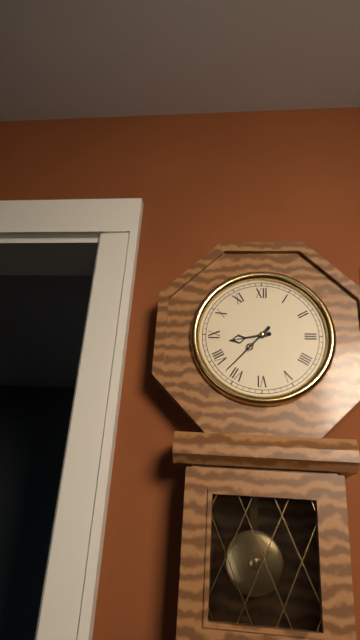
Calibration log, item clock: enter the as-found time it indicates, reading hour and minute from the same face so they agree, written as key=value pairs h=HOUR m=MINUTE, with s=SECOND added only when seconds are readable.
h=8 m=37
